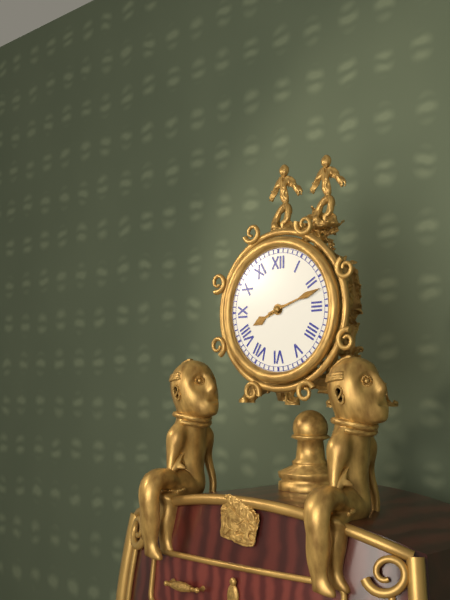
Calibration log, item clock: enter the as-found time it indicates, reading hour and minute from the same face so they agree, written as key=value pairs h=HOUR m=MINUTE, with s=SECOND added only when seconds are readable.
h=8 m=12
